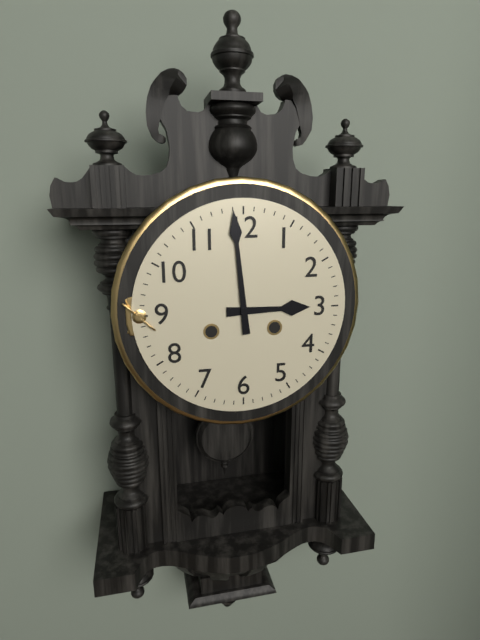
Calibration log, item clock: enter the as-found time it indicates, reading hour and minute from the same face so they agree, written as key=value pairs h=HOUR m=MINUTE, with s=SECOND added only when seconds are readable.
h=2 m=59
